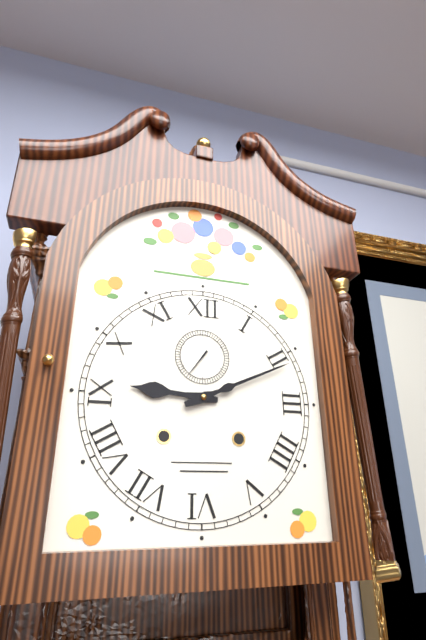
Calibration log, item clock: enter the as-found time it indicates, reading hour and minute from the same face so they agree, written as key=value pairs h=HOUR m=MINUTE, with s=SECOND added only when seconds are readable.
h=9 m=11
